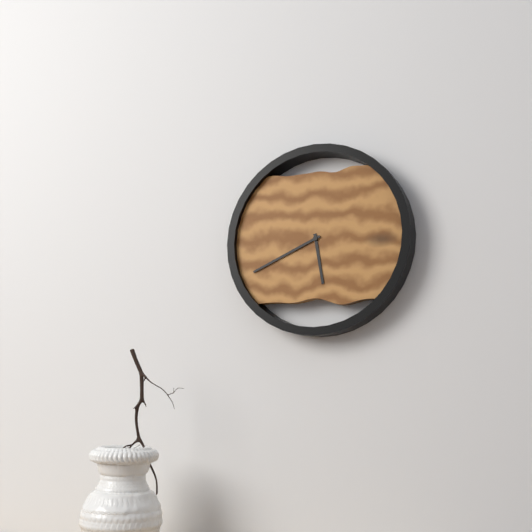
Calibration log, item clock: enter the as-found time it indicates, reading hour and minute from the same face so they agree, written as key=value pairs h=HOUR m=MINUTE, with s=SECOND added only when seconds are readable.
h=5 m=41
